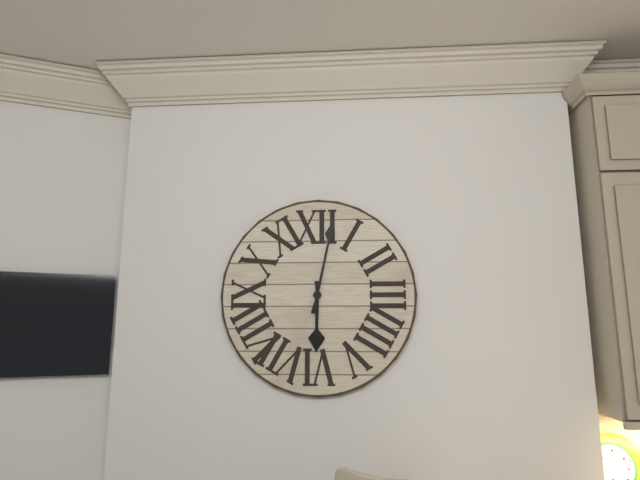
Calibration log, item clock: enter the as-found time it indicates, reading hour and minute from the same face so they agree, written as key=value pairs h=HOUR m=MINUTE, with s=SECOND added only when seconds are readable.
h=6 m=2
